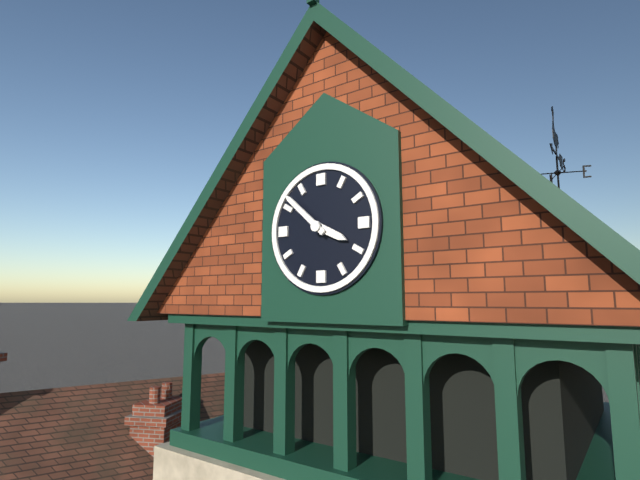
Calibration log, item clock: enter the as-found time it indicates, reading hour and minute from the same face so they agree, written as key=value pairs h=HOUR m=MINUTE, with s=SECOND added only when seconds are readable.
h=3 m=52
